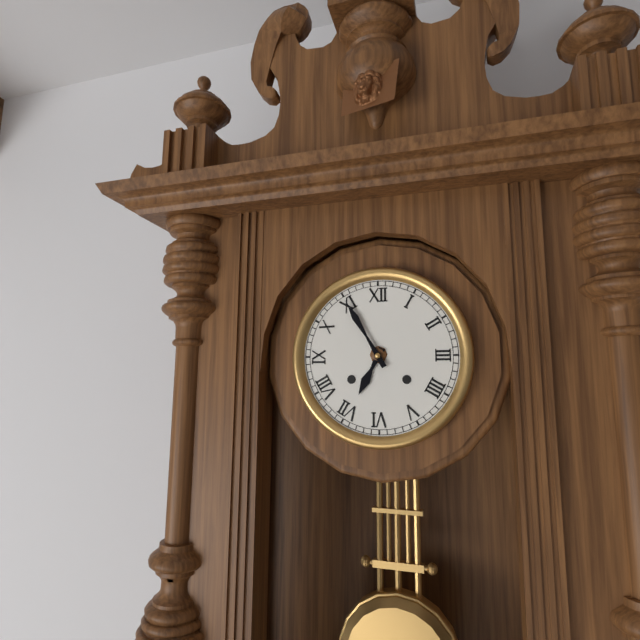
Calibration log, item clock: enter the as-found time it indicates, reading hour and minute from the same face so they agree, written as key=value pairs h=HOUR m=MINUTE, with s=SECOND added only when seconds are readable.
h=6 m=55
